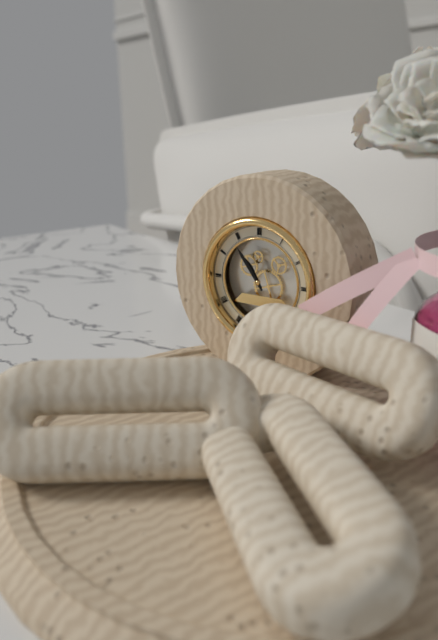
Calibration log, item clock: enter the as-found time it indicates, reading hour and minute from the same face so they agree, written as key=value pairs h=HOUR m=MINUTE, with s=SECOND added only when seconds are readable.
h=10 m=54
